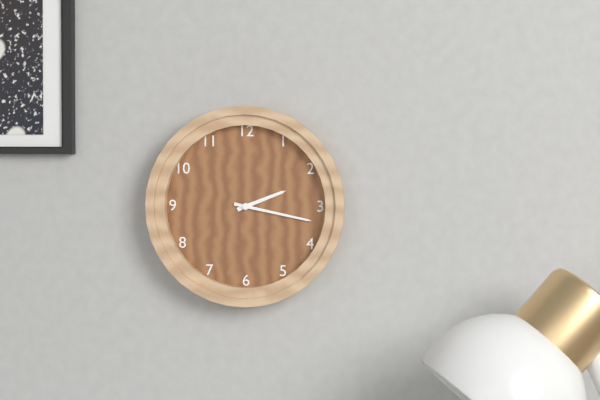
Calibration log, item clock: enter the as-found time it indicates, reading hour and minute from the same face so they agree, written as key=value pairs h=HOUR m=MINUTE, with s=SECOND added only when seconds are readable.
h=2 m=17
